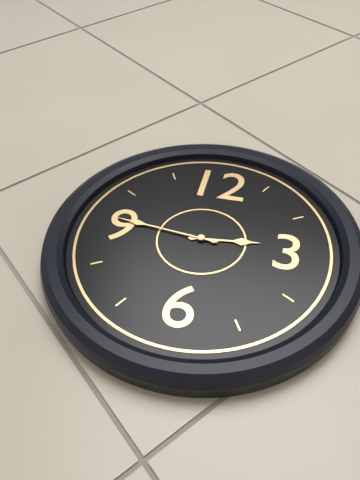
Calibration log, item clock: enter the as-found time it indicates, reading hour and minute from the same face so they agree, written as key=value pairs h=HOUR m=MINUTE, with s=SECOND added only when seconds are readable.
h=2 m=46
